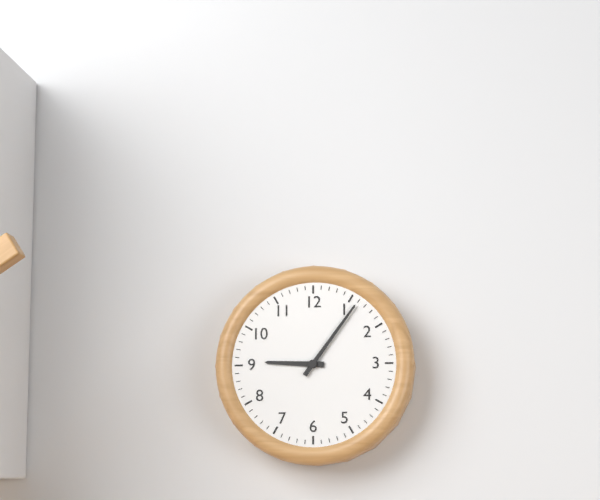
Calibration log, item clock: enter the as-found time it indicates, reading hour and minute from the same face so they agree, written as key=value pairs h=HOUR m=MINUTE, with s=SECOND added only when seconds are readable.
h=9 m=6
